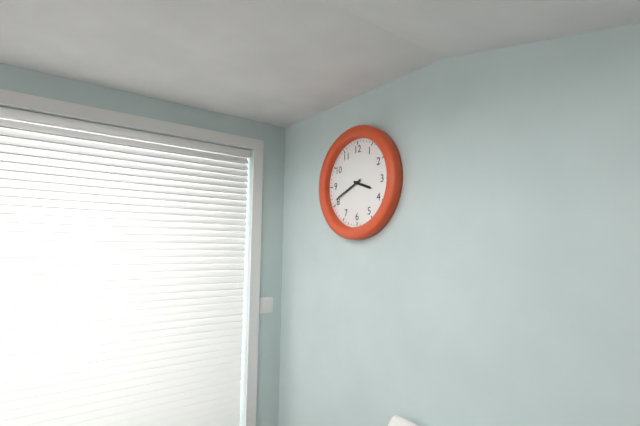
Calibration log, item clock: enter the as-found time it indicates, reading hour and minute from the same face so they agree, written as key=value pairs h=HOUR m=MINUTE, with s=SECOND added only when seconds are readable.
h=3 m=41
